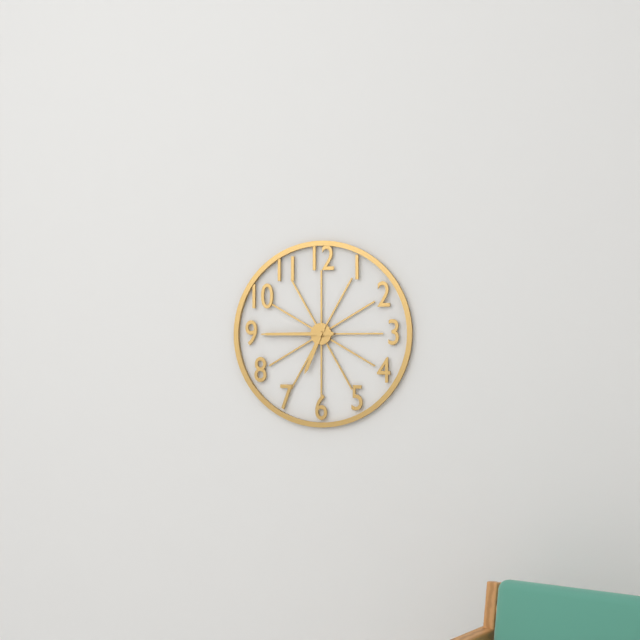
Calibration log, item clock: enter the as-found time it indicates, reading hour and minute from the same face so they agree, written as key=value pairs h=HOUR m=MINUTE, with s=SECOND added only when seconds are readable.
h=6 m=45
